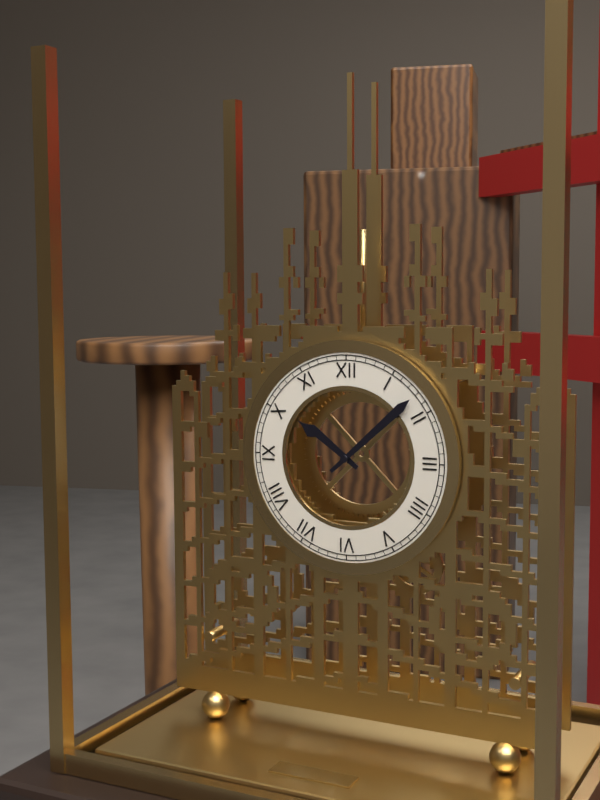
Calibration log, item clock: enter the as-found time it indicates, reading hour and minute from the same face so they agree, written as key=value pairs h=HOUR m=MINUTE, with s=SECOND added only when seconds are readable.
h=10 m=8
